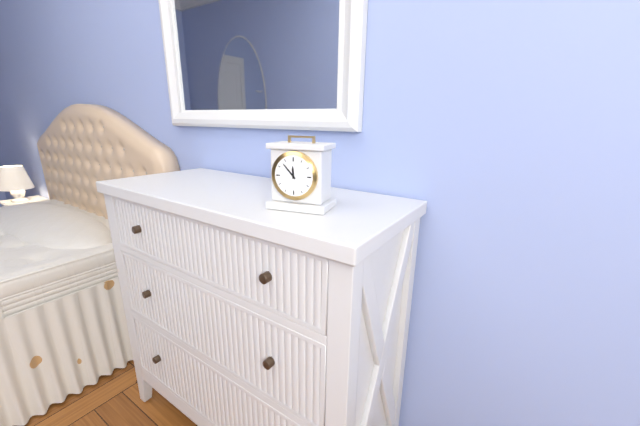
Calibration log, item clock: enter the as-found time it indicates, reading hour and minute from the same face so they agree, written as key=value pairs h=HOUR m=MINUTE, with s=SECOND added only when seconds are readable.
h=11 m=53
